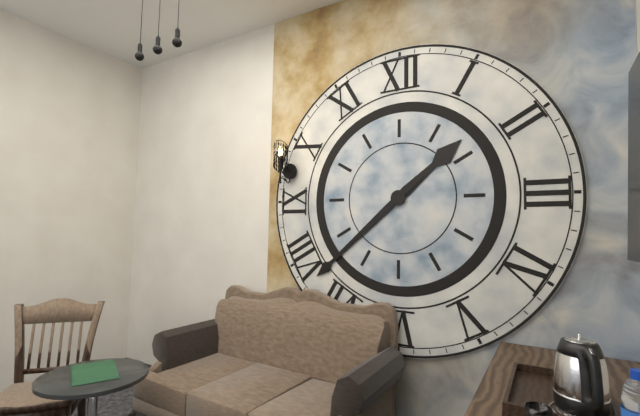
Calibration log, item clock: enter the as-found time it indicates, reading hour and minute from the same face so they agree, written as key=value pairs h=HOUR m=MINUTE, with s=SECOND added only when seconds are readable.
h=1 m=38
